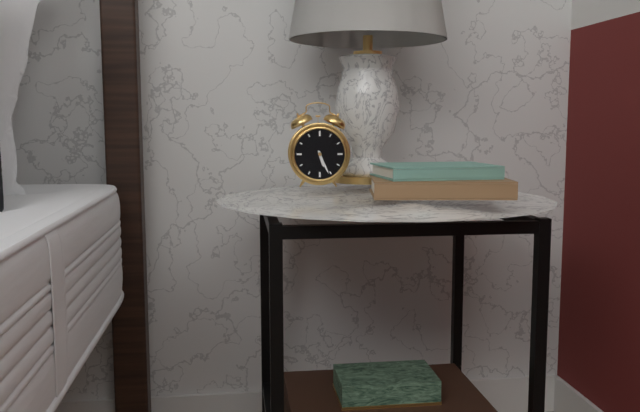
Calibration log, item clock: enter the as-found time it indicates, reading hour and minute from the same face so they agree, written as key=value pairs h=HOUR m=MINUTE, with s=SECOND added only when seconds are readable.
h=5 m=26
